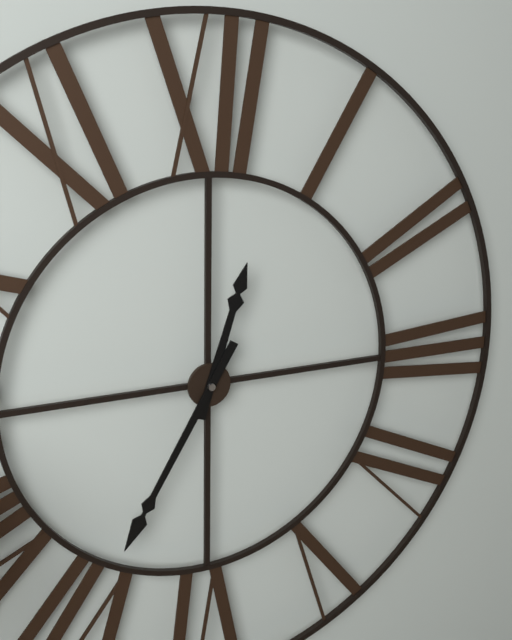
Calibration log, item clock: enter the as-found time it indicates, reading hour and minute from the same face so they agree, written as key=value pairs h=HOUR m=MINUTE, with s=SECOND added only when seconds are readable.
h=12 m=35
